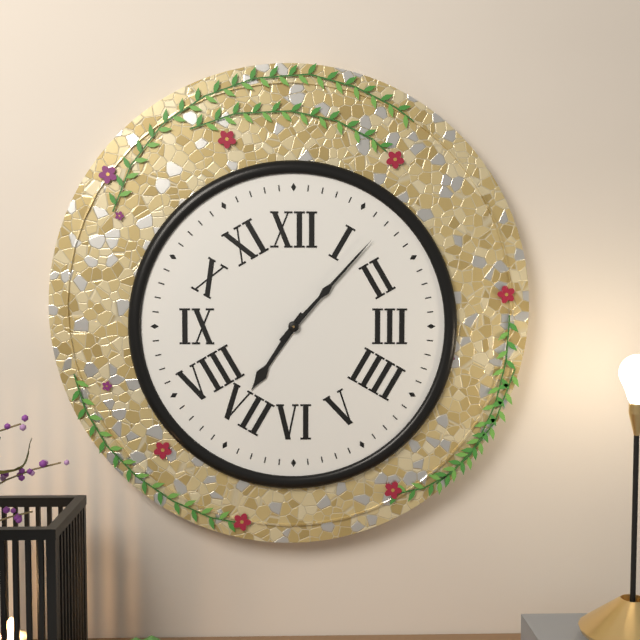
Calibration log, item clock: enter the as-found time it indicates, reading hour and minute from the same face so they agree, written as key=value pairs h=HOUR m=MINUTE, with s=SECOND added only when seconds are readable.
h=7 m=7
